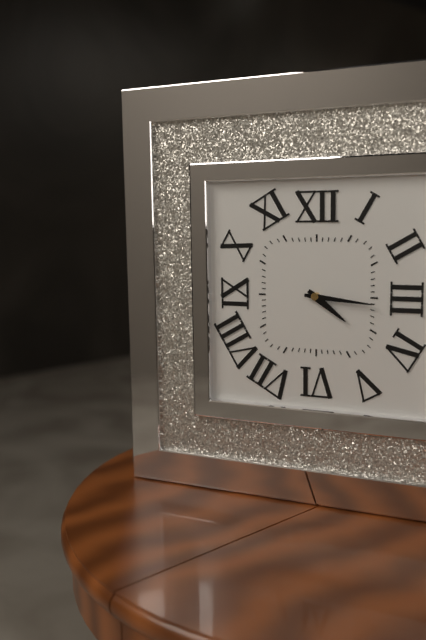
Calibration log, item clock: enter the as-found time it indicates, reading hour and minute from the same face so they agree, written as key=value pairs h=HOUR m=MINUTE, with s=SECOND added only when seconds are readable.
h=4 m=16
